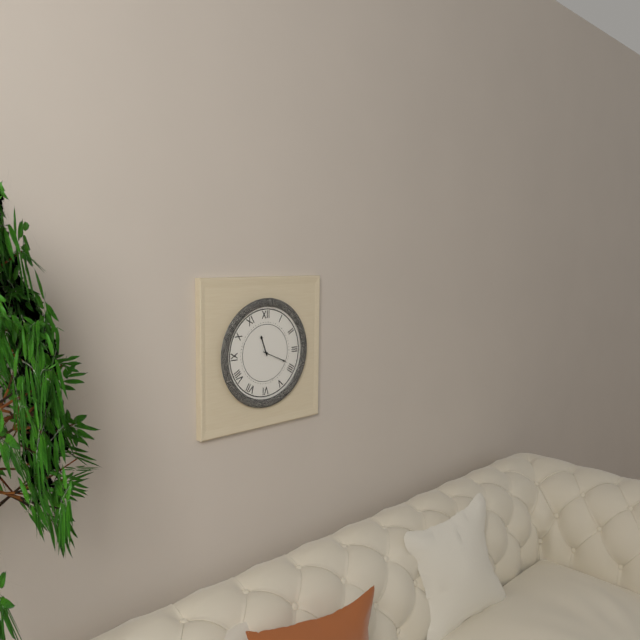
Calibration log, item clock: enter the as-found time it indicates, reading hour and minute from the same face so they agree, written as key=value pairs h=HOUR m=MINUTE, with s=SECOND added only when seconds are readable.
h=11 m=19
